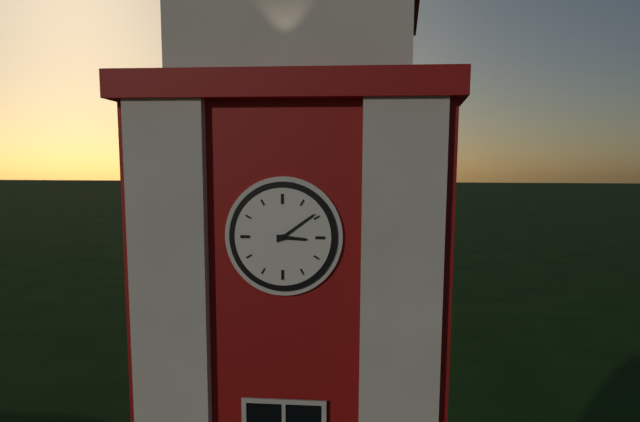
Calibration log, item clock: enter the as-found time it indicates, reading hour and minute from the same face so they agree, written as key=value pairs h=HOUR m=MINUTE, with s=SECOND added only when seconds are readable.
h=3 m=9
